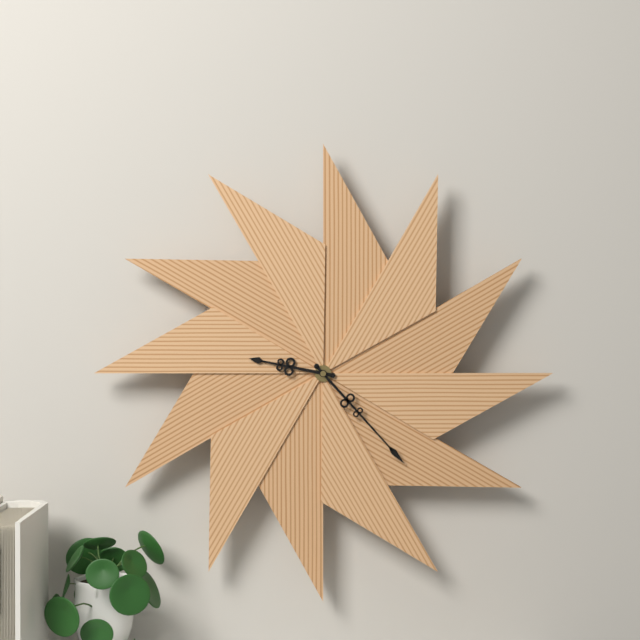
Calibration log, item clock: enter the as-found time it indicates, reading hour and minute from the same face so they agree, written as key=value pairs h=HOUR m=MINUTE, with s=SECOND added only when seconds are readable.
h=9 m=23
